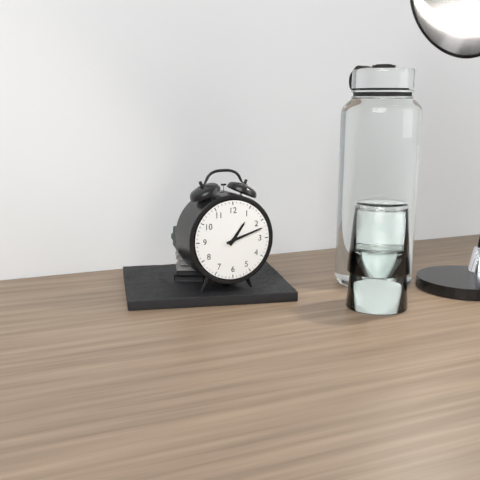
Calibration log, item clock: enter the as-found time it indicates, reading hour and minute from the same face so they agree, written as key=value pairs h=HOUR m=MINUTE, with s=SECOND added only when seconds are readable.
h=1 m=12
